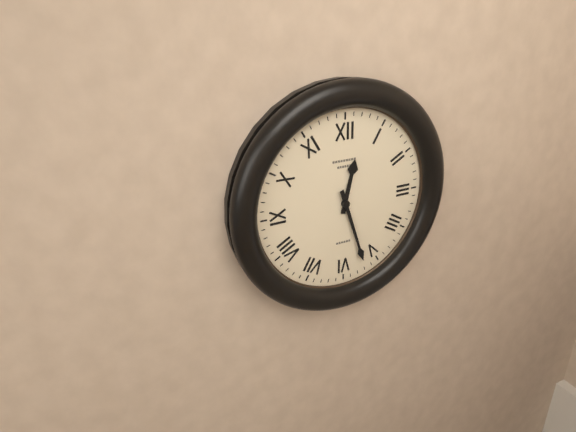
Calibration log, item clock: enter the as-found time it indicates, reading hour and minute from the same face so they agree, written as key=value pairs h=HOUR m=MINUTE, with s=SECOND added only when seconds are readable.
h=12 m=27
